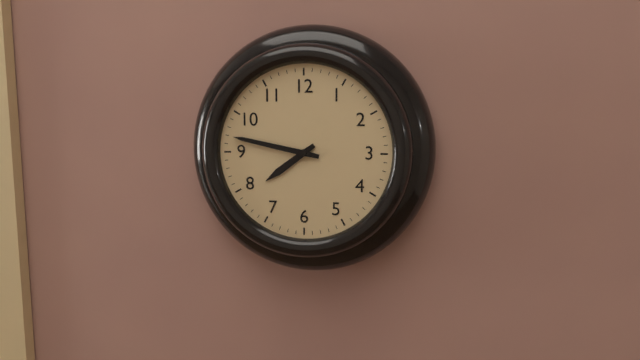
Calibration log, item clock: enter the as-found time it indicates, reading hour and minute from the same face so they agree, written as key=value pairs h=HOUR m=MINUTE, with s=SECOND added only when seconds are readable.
h=7 m=47
